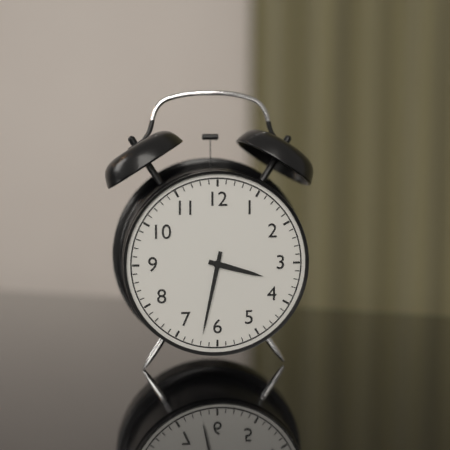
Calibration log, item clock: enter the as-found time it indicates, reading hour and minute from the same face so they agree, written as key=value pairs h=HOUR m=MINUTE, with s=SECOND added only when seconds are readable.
h=3 m=32
